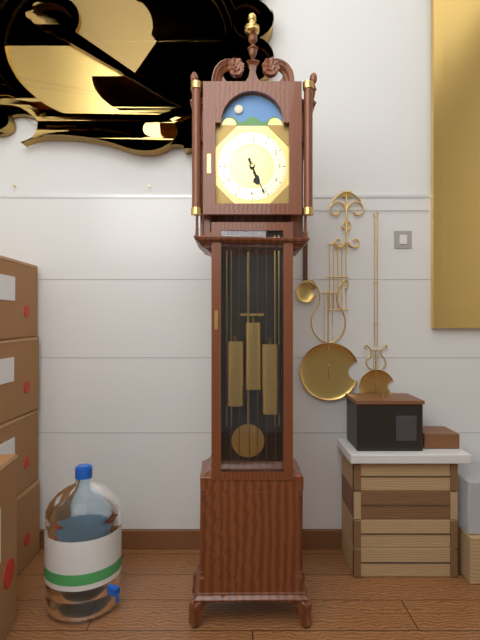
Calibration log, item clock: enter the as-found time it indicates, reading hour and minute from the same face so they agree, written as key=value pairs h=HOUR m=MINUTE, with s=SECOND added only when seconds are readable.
h=5 m=26
